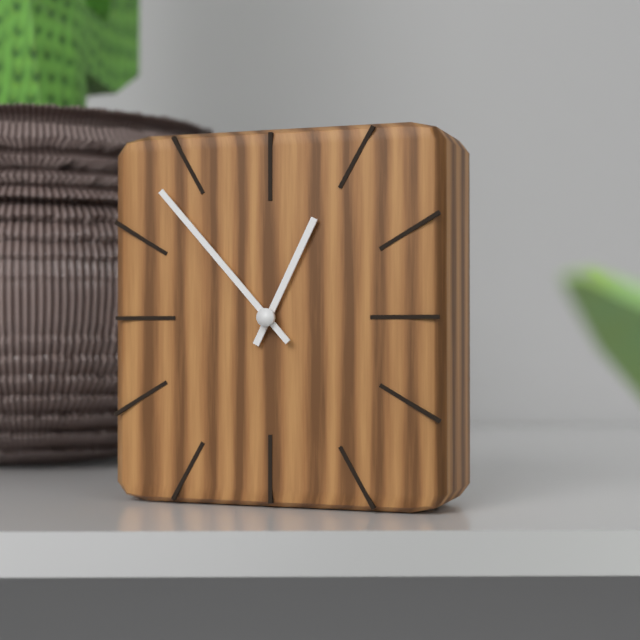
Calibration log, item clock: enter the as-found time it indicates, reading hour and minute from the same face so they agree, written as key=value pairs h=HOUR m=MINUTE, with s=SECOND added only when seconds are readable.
h=12 m=53
